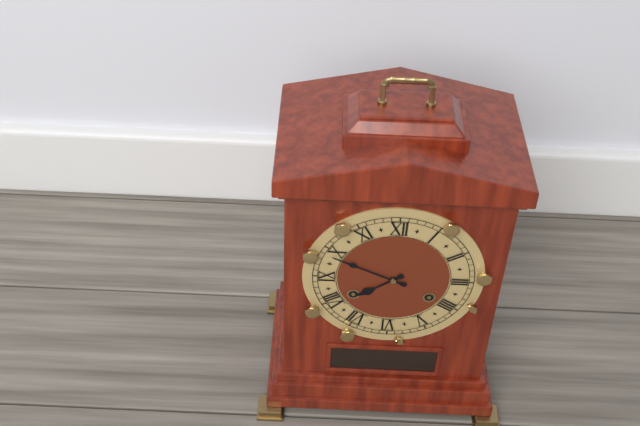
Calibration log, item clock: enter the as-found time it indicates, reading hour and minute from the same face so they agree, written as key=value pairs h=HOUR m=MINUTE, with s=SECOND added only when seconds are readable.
h=7 m=49
